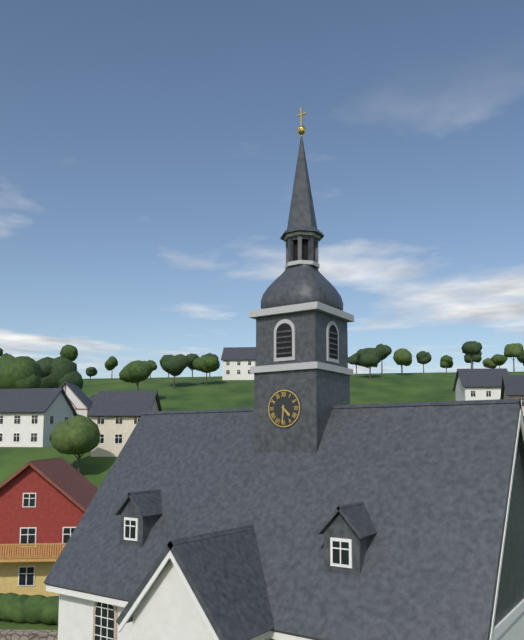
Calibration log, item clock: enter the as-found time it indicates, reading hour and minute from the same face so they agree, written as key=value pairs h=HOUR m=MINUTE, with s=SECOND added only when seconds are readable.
h=4 m=31
